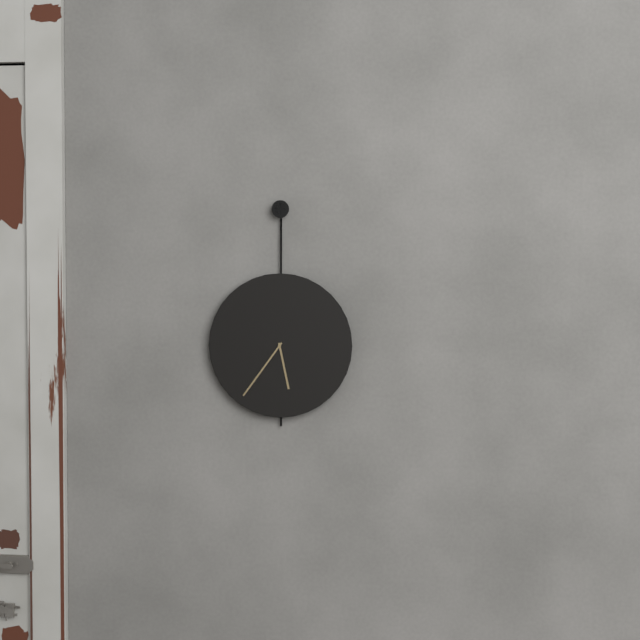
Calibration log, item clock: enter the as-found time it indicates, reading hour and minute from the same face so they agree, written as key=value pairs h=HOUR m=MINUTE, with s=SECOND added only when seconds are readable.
h=5 m=36
